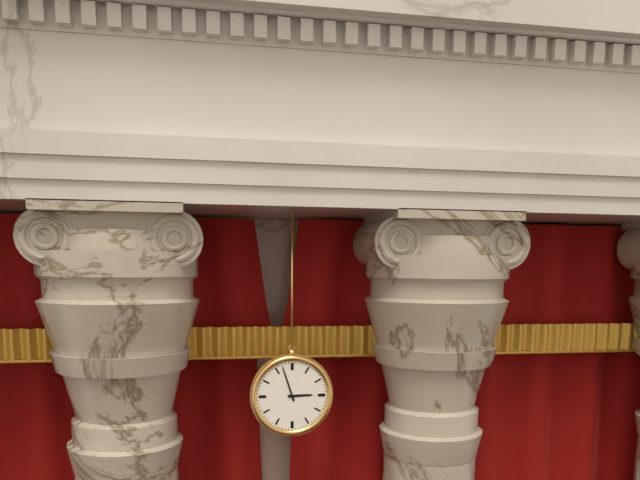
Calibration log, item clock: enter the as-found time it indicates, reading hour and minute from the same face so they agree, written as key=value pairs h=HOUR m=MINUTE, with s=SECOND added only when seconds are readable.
h=2 m=57
